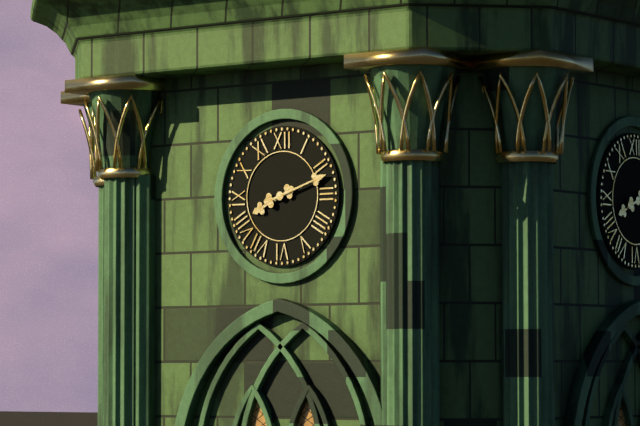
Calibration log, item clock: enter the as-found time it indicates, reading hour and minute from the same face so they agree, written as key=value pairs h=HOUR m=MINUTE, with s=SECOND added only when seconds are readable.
h=8 m=12
